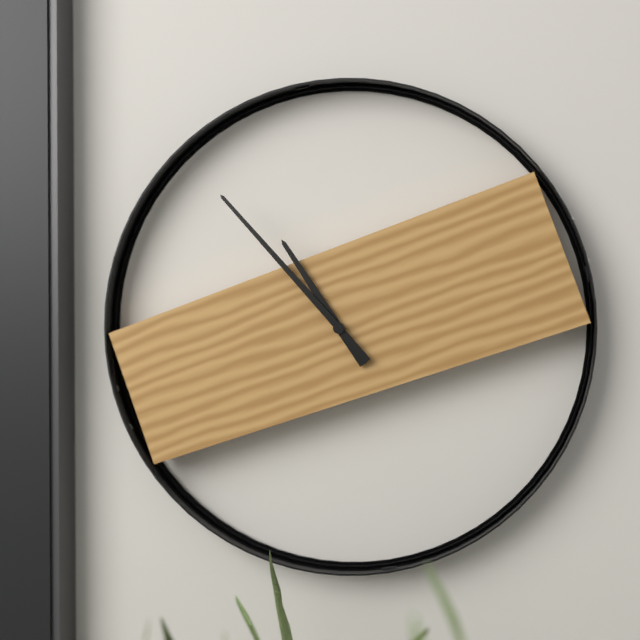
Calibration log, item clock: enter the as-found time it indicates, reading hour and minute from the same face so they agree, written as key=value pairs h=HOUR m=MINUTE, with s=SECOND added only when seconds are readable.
h=10 m=53
